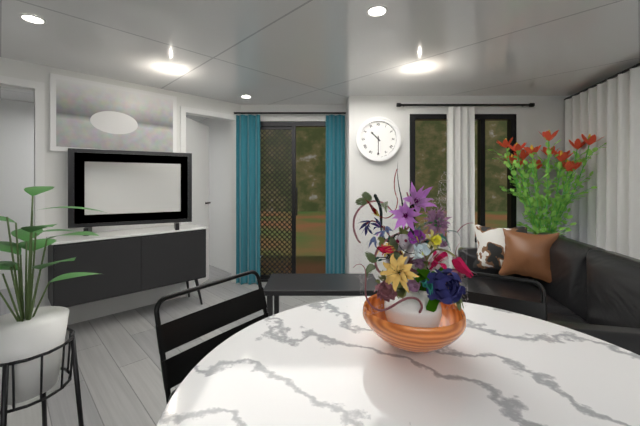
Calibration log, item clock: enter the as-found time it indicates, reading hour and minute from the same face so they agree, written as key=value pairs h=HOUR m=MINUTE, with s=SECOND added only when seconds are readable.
h=10 m=30
